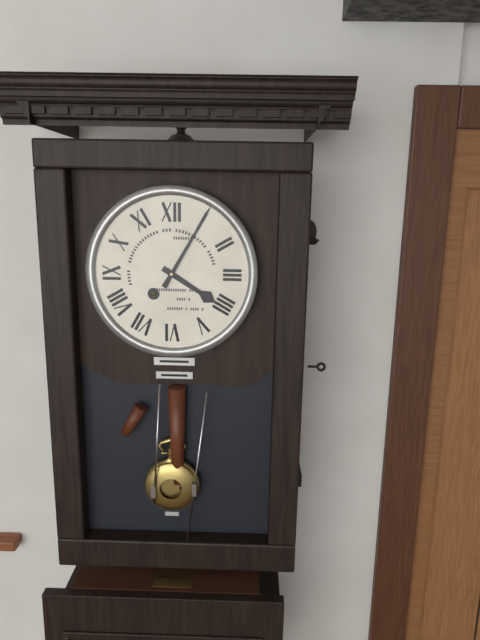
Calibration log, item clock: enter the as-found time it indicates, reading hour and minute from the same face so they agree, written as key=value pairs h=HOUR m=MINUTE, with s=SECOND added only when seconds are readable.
h=4 m=5
